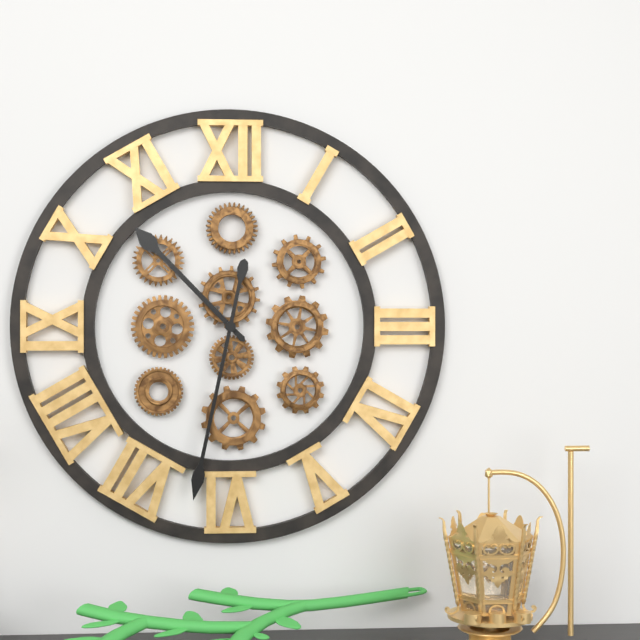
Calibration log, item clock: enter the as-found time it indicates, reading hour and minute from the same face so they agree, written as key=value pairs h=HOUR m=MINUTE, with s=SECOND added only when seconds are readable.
h=10 m=32
